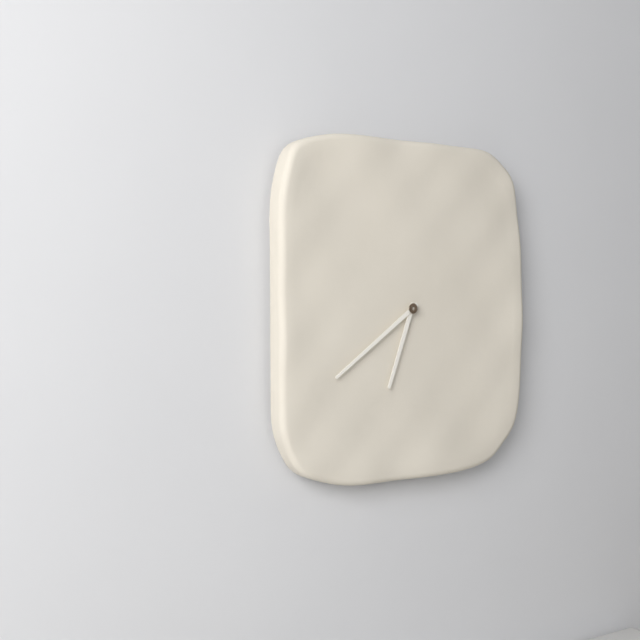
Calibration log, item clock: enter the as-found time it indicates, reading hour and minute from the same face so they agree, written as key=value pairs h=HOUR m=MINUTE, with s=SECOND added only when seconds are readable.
h=6 m=39
